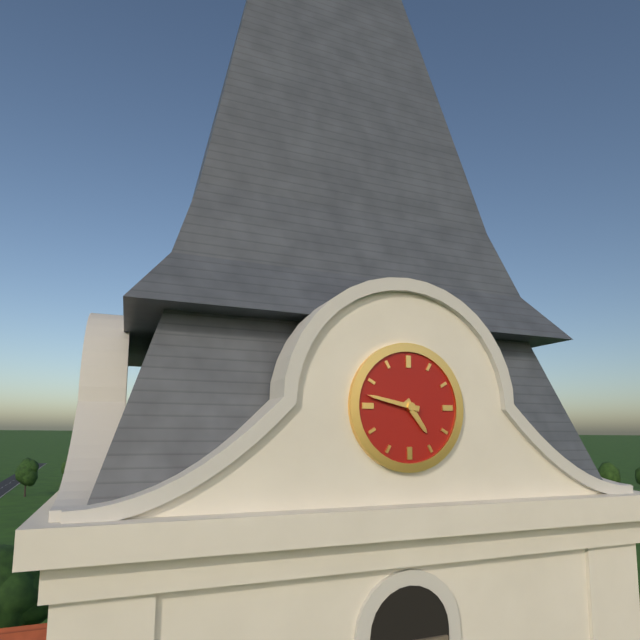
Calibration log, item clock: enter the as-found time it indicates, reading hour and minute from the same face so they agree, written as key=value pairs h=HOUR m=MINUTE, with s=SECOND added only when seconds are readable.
h=4 m=47
